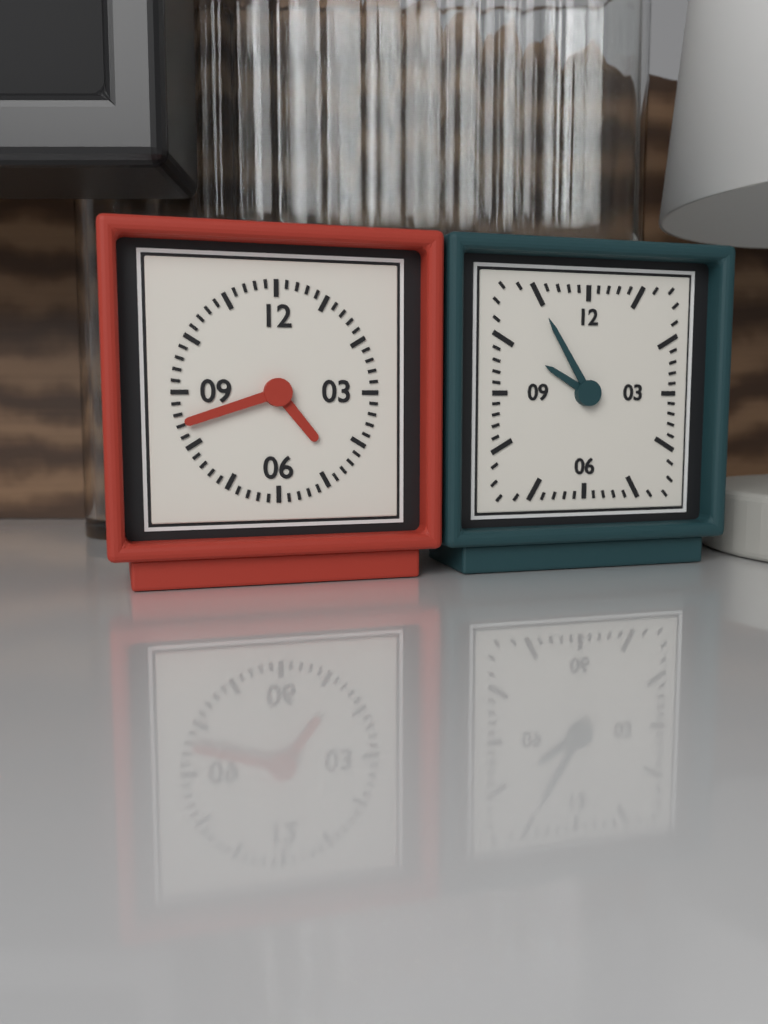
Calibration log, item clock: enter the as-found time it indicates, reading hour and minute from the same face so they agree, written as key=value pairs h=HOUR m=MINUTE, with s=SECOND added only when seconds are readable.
h=4 m=42
